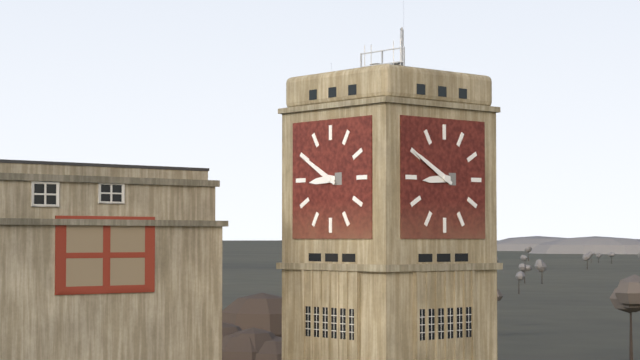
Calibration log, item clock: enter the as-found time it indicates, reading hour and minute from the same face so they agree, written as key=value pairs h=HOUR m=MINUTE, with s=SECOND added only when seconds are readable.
h=8 m=50
